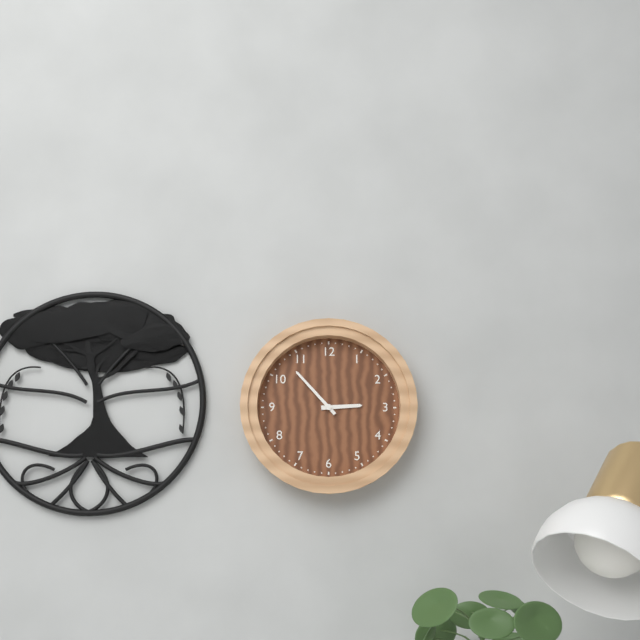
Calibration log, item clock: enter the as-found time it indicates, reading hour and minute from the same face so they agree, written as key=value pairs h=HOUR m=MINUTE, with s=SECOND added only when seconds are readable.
h=2 m=53
